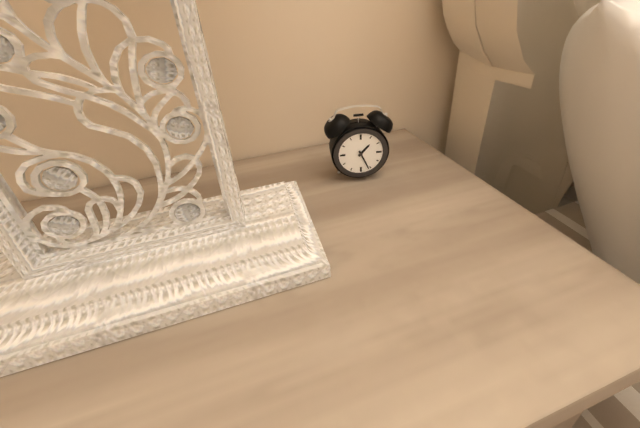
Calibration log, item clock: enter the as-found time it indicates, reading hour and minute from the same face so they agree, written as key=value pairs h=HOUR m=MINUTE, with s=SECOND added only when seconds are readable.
h=1 m=26
